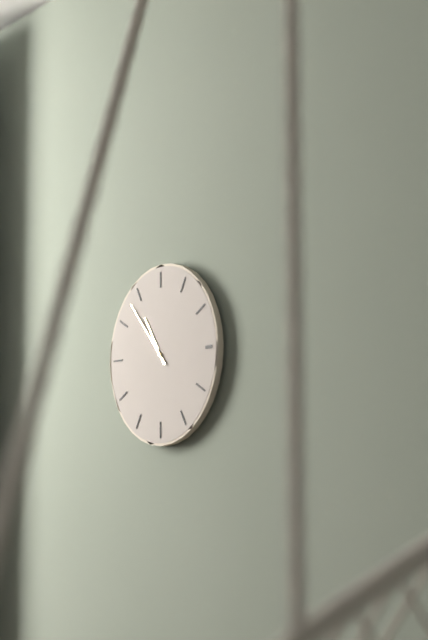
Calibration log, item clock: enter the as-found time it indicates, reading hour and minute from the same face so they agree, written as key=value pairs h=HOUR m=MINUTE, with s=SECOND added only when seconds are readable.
h=10 m=53
